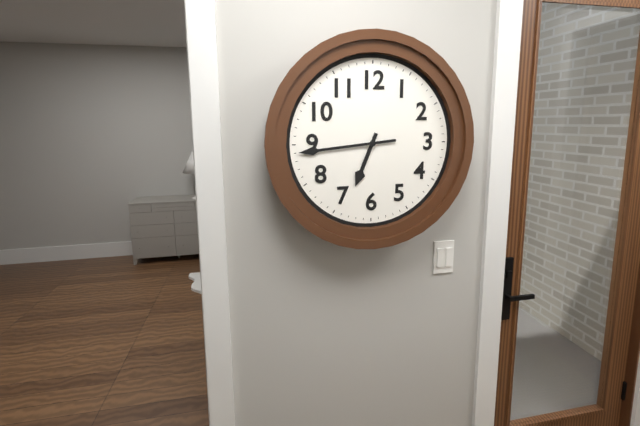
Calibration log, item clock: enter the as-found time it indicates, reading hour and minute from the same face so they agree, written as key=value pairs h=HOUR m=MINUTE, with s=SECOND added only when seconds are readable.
h=6 m=44
